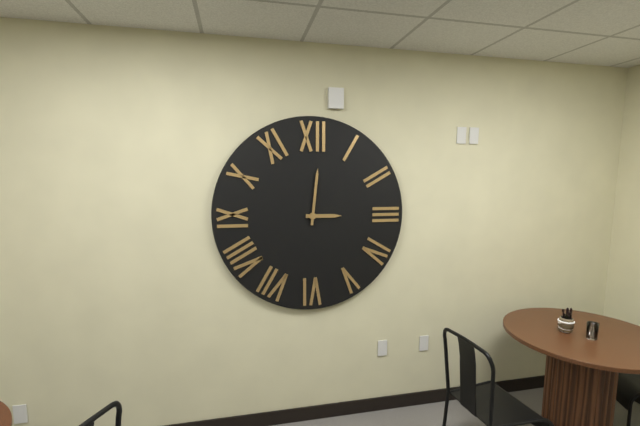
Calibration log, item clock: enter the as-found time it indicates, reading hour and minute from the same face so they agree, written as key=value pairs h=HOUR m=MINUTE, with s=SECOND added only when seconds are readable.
h=3 m=1
